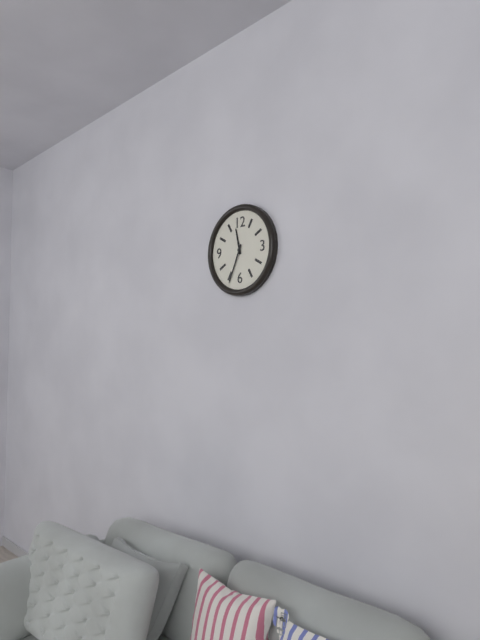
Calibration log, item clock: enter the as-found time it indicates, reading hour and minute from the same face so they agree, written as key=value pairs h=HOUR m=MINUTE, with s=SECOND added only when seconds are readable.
h=11 m=34
